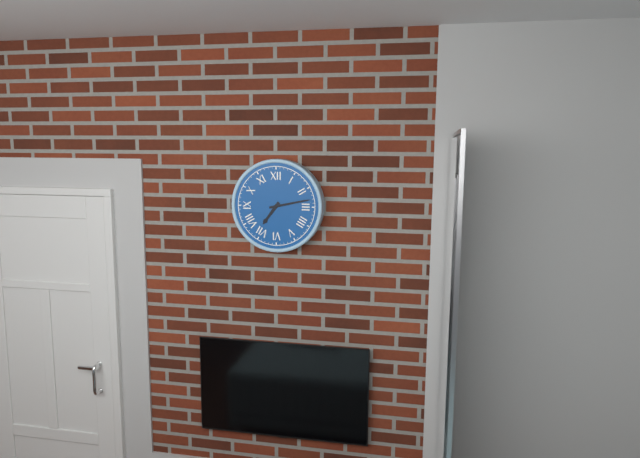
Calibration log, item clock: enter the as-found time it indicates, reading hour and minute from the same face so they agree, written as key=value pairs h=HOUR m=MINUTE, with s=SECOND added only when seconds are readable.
h=7 m=13
